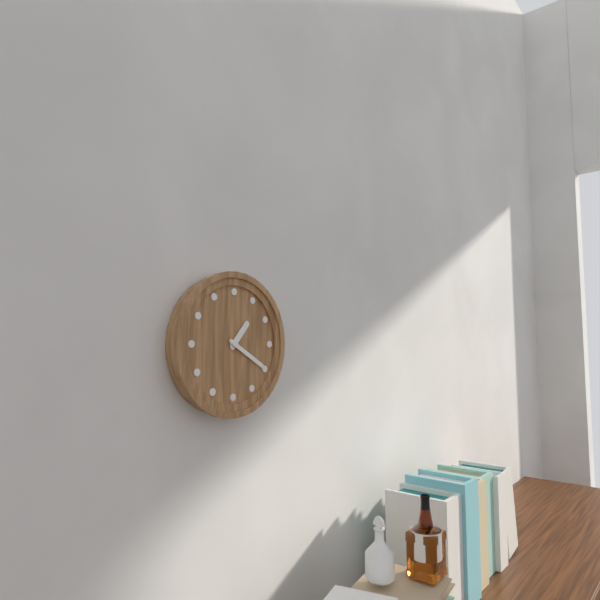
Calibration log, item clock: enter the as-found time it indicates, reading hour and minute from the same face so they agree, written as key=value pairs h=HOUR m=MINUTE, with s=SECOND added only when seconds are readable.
h=1 m=20
